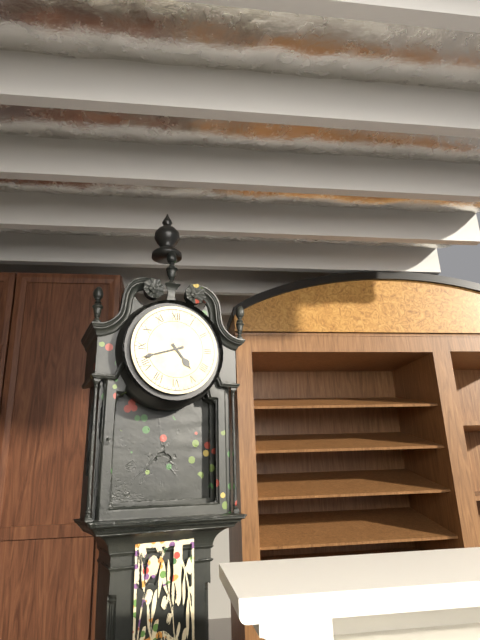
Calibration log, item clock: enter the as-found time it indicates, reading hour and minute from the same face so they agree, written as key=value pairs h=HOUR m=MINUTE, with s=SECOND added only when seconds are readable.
h=4 m=42
